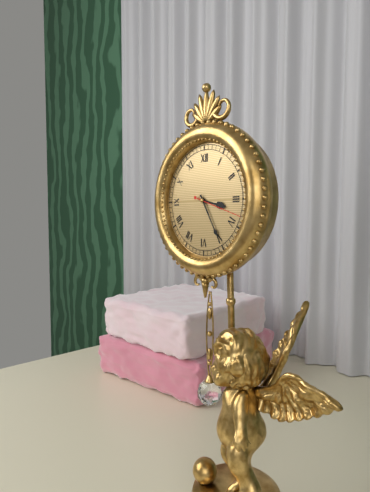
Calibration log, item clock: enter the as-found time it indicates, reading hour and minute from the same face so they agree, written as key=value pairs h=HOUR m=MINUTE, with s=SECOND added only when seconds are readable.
h=3 m=25
